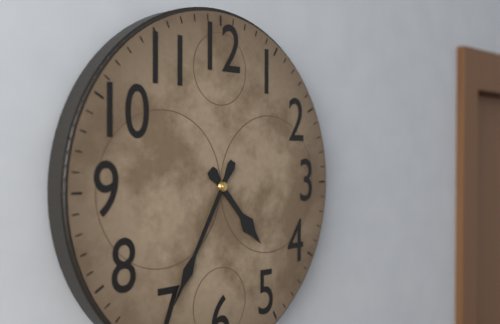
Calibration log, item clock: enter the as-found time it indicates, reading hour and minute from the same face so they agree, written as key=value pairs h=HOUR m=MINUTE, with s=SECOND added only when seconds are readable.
h=4 m=35
